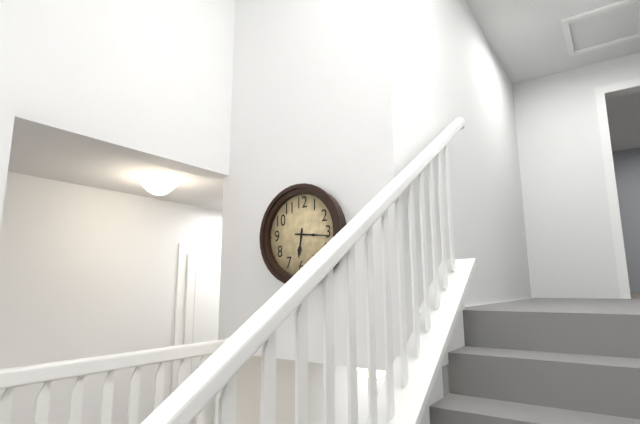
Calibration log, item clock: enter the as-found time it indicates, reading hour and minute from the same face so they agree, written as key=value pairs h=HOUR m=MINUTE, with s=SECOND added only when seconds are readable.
h=6 m=16
